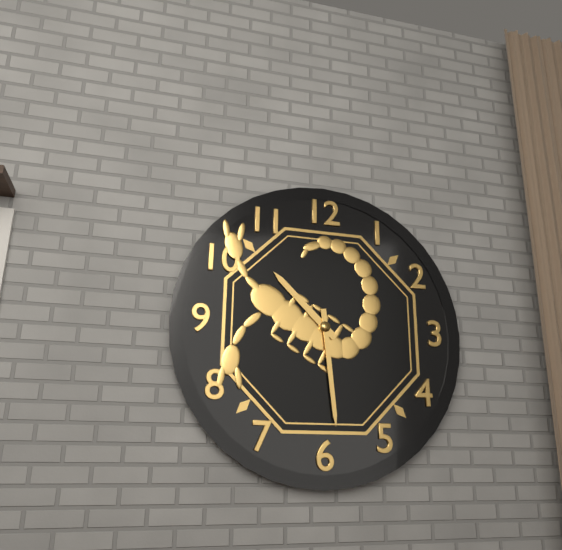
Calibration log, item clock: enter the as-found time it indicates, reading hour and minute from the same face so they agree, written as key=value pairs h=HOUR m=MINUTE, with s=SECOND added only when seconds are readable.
h=10 m=29
